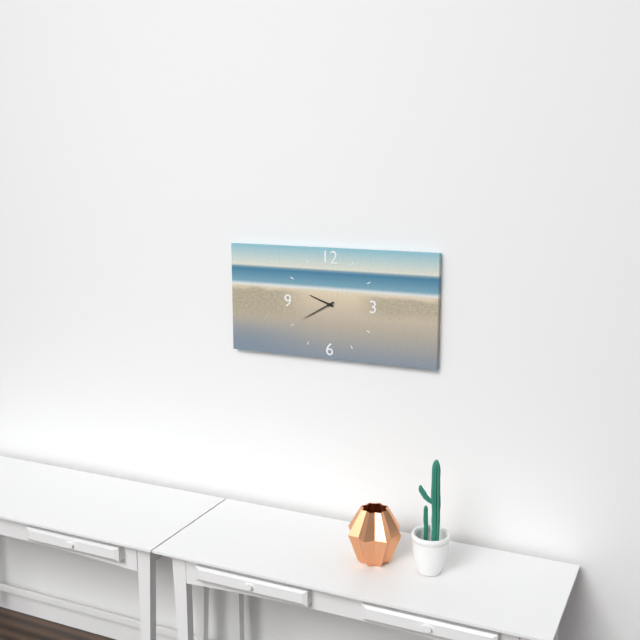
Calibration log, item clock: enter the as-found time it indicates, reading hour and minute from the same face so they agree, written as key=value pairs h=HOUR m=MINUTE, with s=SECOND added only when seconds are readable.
h=9 m=40
